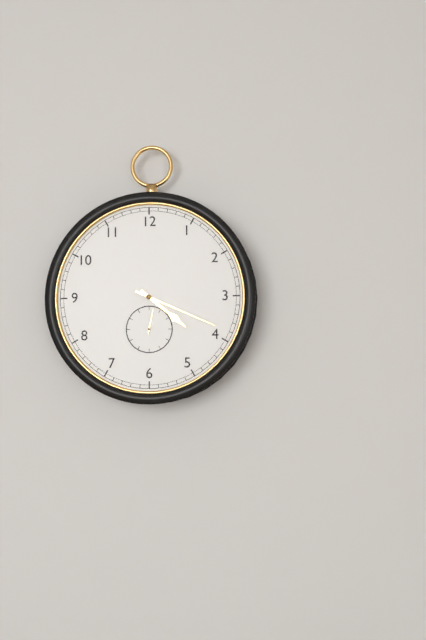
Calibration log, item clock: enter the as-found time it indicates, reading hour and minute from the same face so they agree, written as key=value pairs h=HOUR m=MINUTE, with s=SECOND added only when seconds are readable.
h=4 m=19
